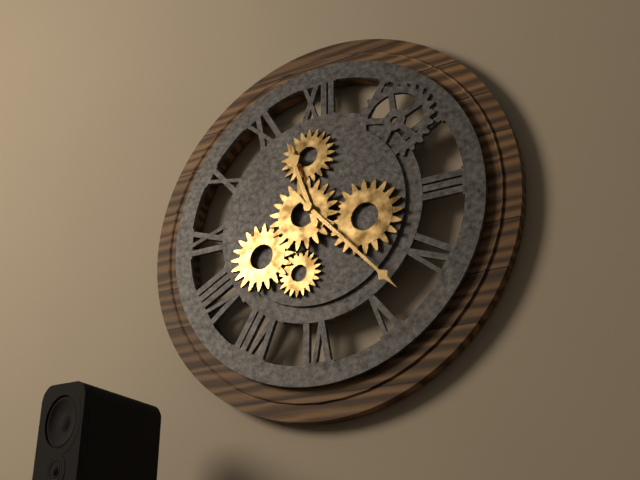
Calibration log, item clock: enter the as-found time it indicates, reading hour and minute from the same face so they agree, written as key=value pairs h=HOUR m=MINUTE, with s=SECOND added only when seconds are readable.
h=11 m=23
